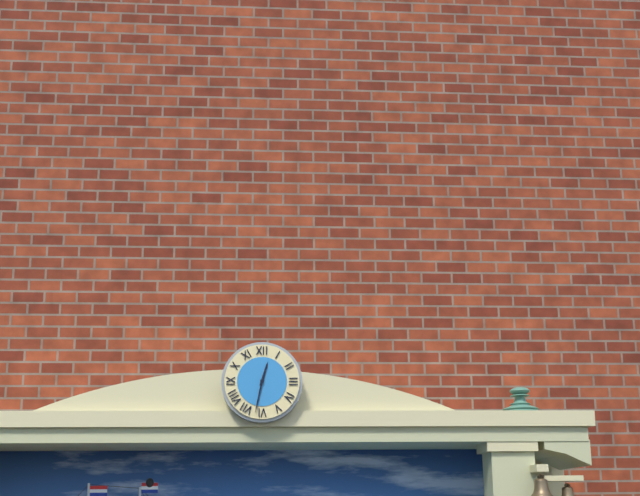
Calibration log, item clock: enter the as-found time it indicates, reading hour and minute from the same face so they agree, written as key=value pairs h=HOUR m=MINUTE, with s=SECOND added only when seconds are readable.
h=12 m=32
